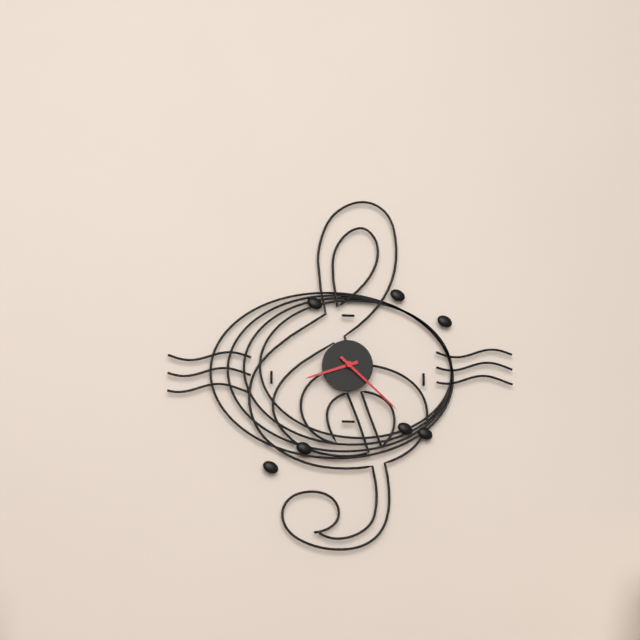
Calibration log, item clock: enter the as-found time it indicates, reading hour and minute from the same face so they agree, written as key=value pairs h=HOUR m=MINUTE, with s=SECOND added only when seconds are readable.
h=8 m=22
